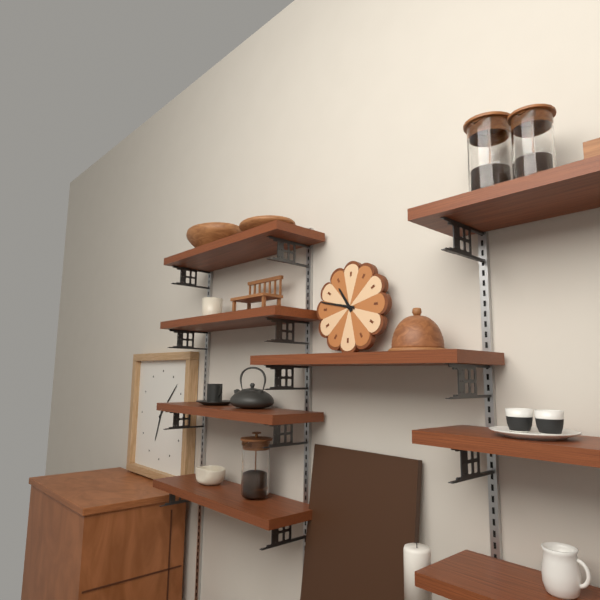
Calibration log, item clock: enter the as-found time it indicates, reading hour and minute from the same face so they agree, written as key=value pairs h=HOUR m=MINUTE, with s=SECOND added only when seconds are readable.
h=10 m=47
